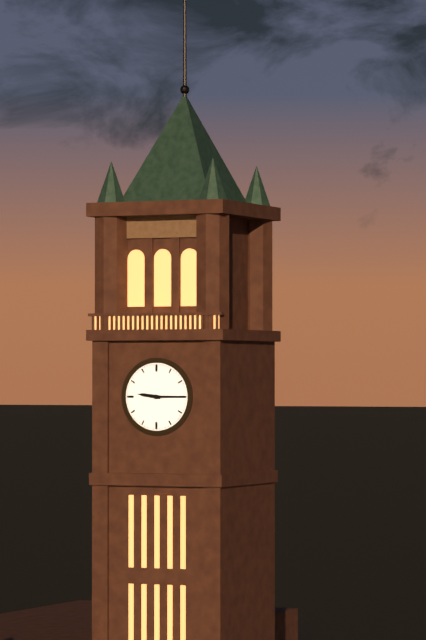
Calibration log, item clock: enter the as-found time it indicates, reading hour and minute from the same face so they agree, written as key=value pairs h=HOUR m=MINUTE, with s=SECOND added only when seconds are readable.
h=9 m=15
